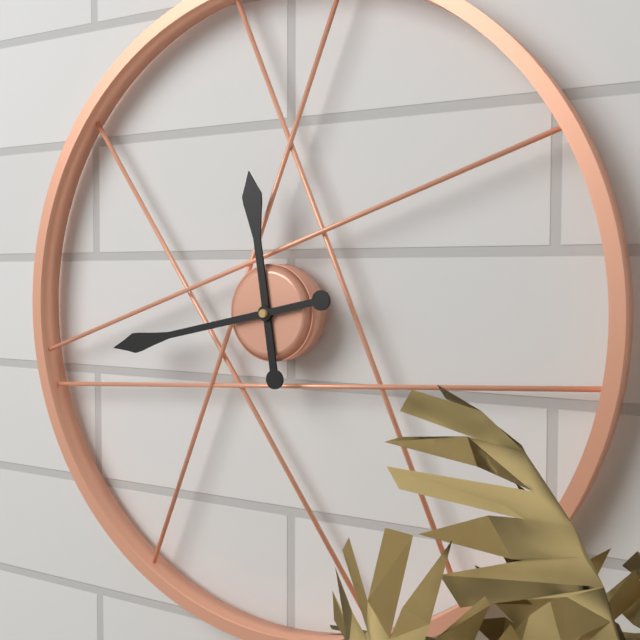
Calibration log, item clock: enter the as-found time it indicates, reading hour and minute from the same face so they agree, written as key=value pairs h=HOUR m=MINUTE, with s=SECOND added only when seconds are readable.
h=11 m=43
